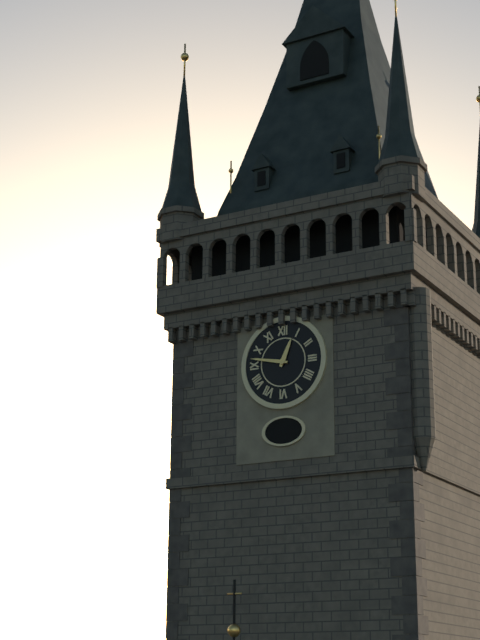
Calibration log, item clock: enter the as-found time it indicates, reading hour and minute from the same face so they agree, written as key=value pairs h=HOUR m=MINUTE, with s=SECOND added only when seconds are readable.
h=12 m=47
